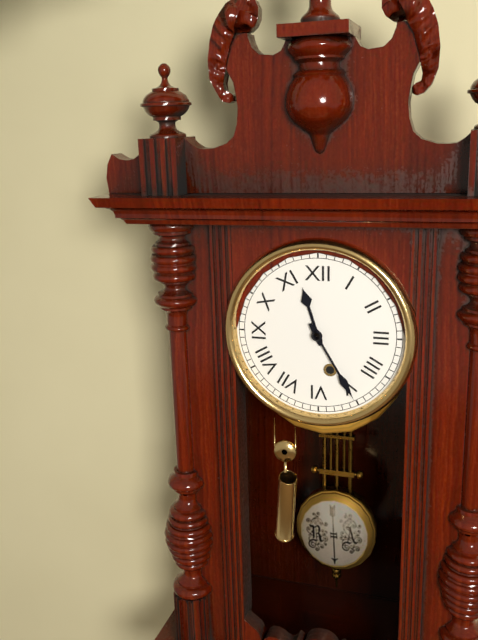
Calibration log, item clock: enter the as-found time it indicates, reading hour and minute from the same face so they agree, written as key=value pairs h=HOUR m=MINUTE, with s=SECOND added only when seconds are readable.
h=11 m=25
